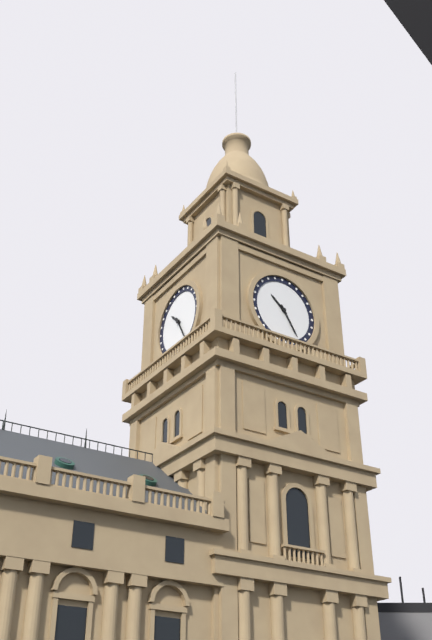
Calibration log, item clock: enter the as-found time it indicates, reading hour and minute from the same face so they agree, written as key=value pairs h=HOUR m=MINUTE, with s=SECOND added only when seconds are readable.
h=10 m=25
